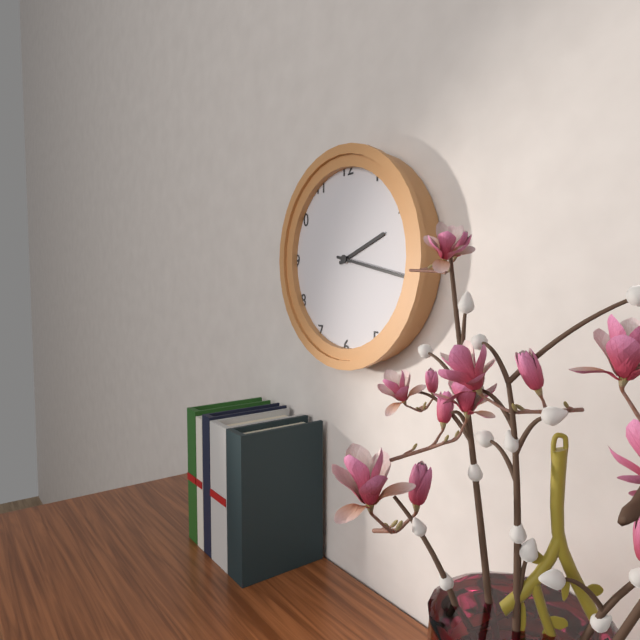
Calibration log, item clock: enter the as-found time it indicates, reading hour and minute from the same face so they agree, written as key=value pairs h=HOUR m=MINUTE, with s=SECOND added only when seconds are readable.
h=2 m=17
